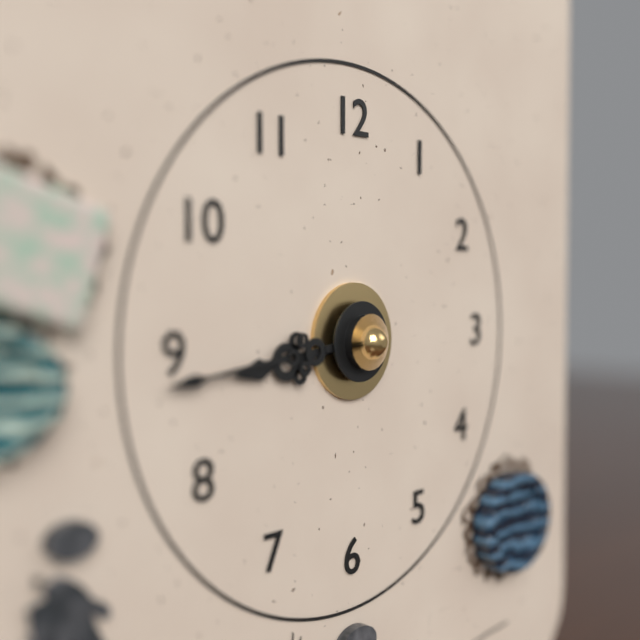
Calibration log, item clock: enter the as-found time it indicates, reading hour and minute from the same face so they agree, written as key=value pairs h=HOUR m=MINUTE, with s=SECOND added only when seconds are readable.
h=8 m=44
